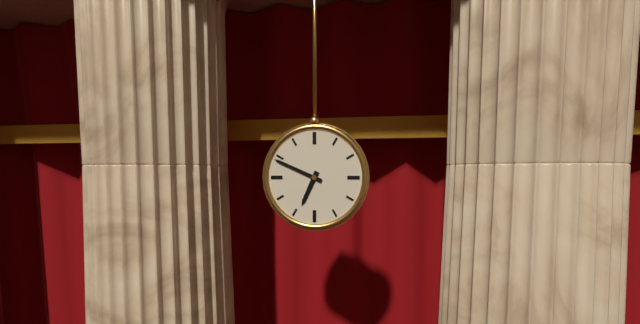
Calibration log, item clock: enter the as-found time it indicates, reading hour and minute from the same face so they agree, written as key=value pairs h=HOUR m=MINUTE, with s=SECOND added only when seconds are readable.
h=6 m=49
